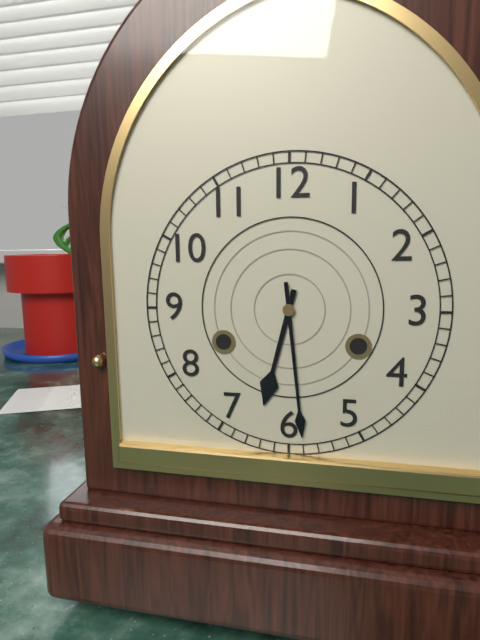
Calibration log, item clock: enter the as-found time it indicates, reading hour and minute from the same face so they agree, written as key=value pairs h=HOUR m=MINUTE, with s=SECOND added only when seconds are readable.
h=6 m=29
